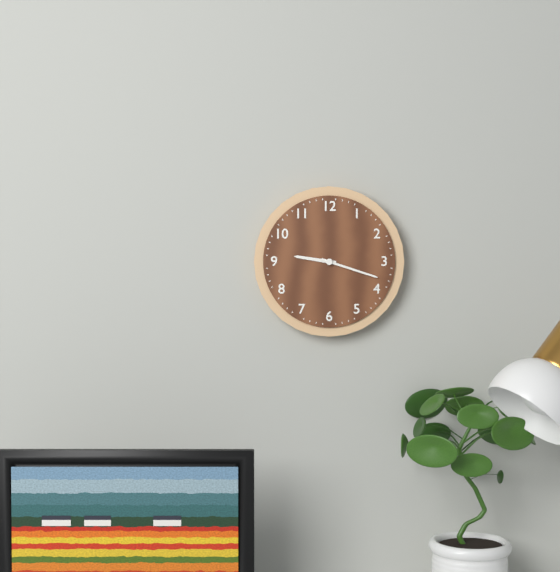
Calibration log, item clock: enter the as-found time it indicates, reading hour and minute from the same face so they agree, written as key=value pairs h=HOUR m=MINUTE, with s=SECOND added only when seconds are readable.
h=9 m=18
